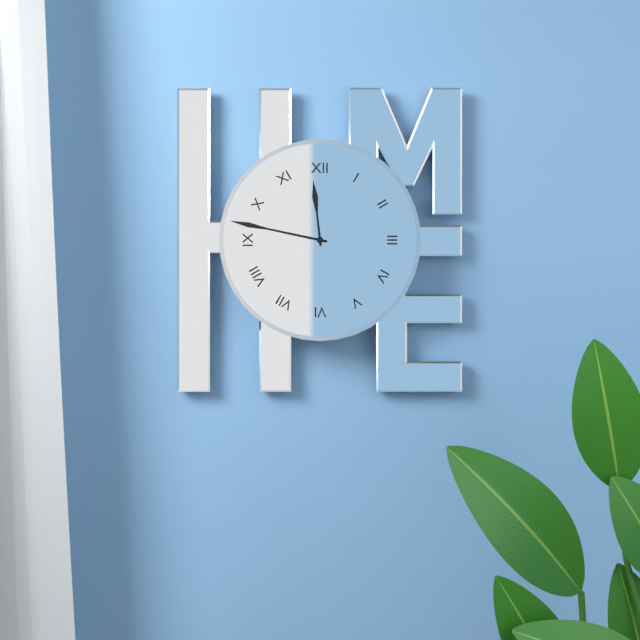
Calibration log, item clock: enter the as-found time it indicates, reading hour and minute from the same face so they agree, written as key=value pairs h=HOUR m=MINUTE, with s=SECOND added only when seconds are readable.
h=11 m=47
